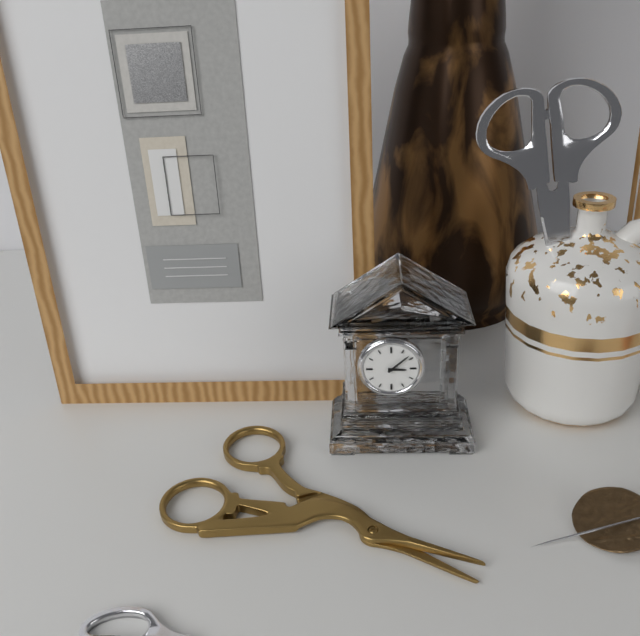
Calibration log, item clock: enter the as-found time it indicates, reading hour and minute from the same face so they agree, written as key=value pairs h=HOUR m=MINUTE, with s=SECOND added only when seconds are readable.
h=3 m=8
